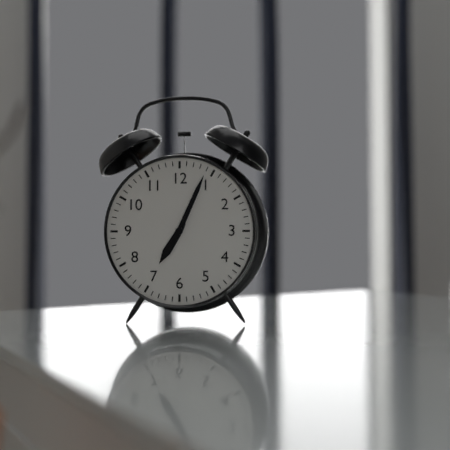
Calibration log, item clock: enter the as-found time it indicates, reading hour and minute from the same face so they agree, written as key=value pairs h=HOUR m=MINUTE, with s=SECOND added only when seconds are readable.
h=7 m=4
